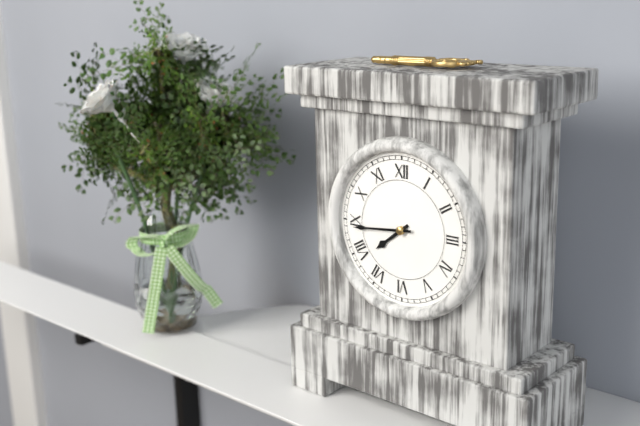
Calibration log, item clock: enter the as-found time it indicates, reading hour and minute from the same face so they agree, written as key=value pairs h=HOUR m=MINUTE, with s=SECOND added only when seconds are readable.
h=7 m=44
